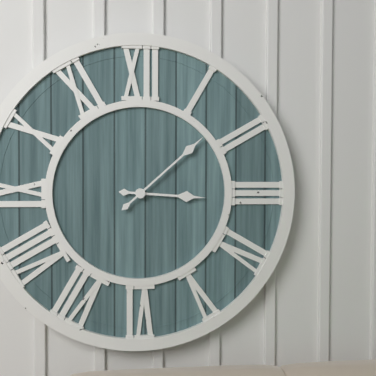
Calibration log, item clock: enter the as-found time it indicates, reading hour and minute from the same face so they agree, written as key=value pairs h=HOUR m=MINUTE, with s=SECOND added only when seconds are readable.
h=3 m=8
